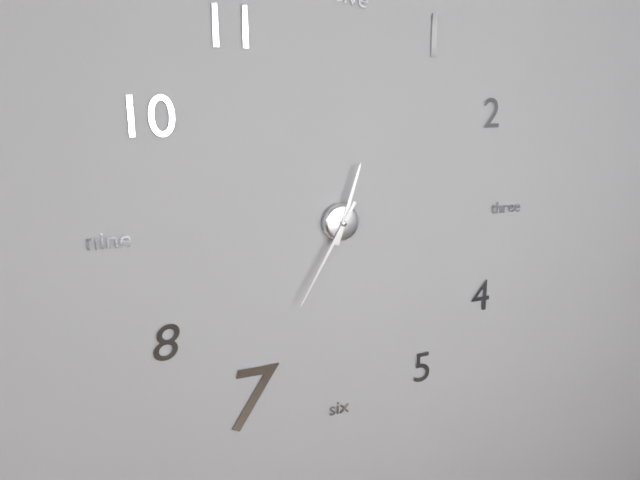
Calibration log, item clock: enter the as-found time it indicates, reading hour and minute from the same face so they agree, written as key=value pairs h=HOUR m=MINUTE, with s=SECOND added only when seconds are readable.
h=12 m=35
